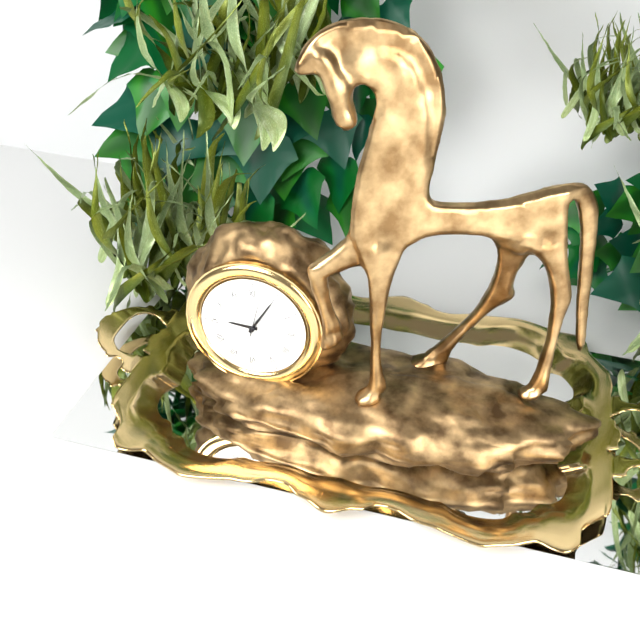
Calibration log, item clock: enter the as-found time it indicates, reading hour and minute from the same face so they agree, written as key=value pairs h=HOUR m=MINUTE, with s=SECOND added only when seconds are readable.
h=9 m=5
